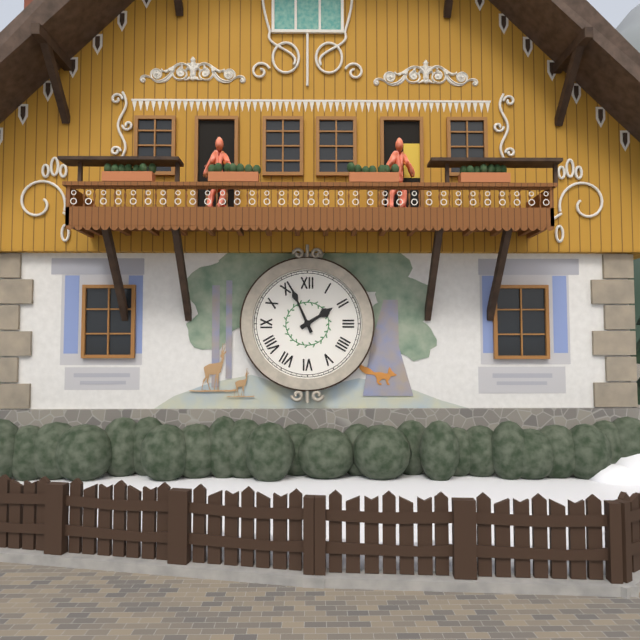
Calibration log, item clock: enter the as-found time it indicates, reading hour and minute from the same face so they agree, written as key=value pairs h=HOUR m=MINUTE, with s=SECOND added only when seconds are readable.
h=1 m=56
